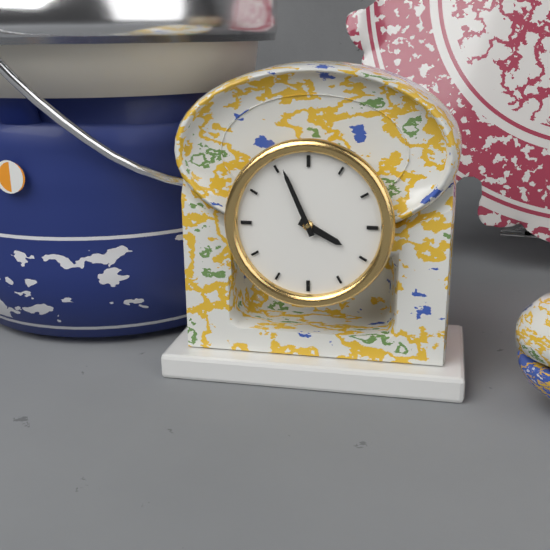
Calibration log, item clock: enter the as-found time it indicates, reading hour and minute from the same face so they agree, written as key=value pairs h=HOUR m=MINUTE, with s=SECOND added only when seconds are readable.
h=3 m=56
